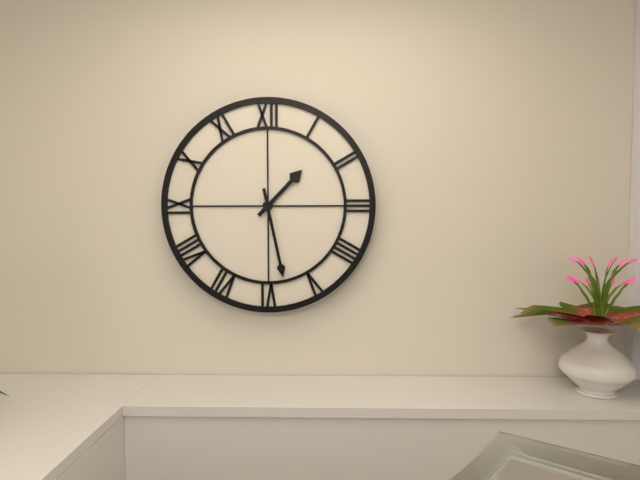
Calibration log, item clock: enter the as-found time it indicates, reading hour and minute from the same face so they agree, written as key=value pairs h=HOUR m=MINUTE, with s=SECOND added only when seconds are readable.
h=1 m=28
